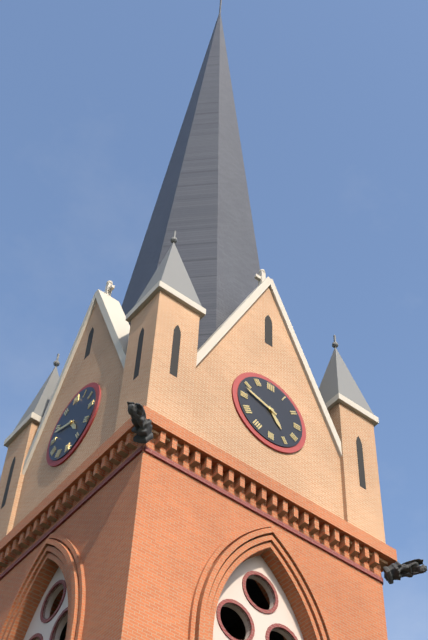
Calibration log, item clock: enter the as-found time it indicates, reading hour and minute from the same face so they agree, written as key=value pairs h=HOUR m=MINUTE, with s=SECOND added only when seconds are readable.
h=4 m=48
